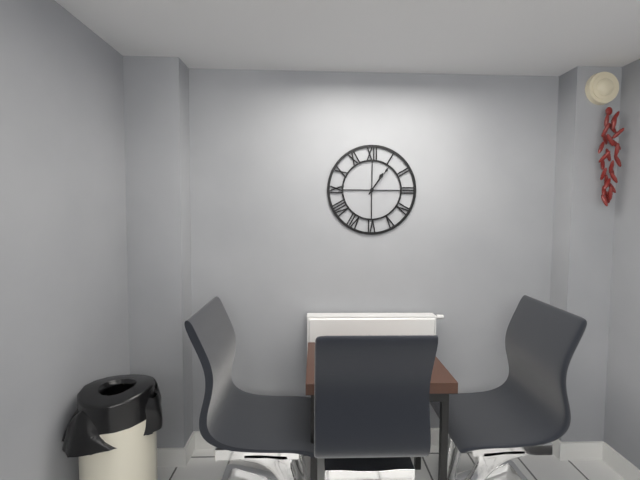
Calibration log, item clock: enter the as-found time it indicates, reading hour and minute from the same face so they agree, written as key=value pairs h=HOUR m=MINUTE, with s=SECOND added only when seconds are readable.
h=1 m=6
